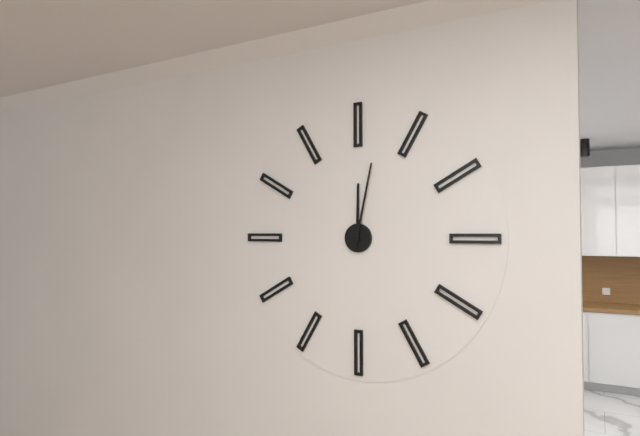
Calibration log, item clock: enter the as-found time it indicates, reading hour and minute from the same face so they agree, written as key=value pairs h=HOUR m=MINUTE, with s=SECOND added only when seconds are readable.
h=12 m=2
